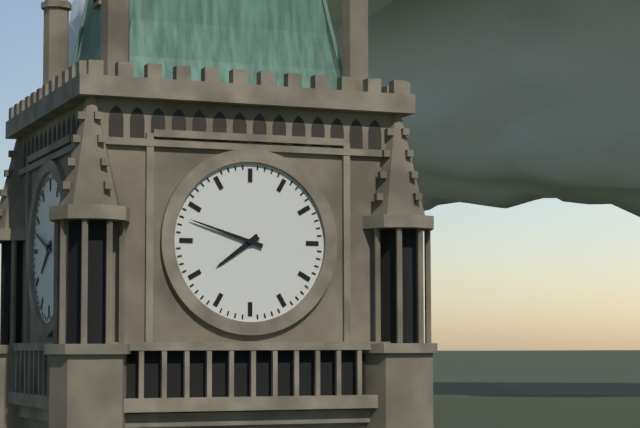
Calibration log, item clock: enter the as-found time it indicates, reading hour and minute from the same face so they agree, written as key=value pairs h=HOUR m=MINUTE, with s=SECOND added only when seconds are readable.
h=7 m=48
